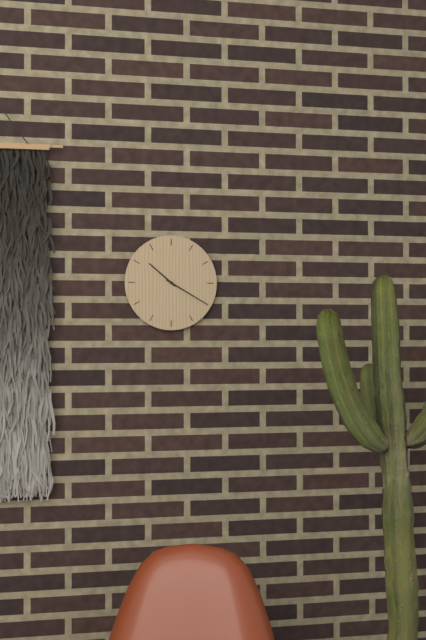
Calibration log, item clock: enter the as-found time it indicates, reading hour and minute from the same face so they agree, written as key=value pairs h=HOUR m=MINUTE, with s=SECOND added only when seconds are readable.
h=10 m=20
